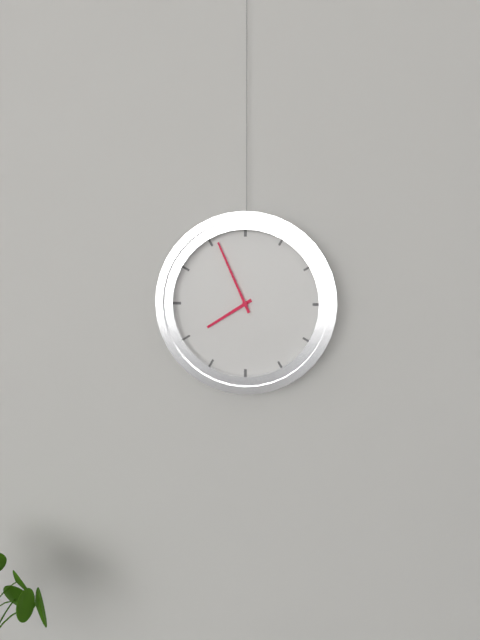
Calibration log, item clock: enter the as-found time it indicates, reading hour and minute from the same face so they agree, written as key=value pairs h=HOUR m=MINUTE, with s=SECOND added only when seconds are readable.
h=7 m=56
